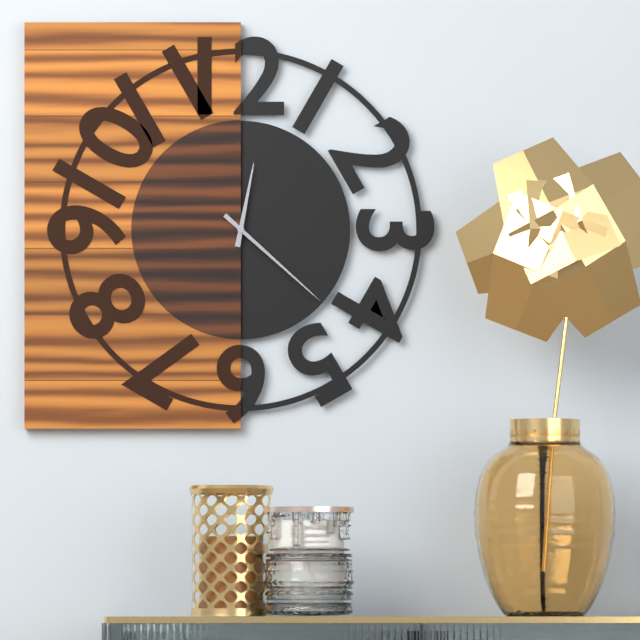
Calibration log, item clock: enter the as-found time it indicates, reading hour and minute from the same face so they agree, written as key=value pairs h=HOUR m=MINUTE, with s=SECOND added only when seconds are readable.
h=12 m=22
